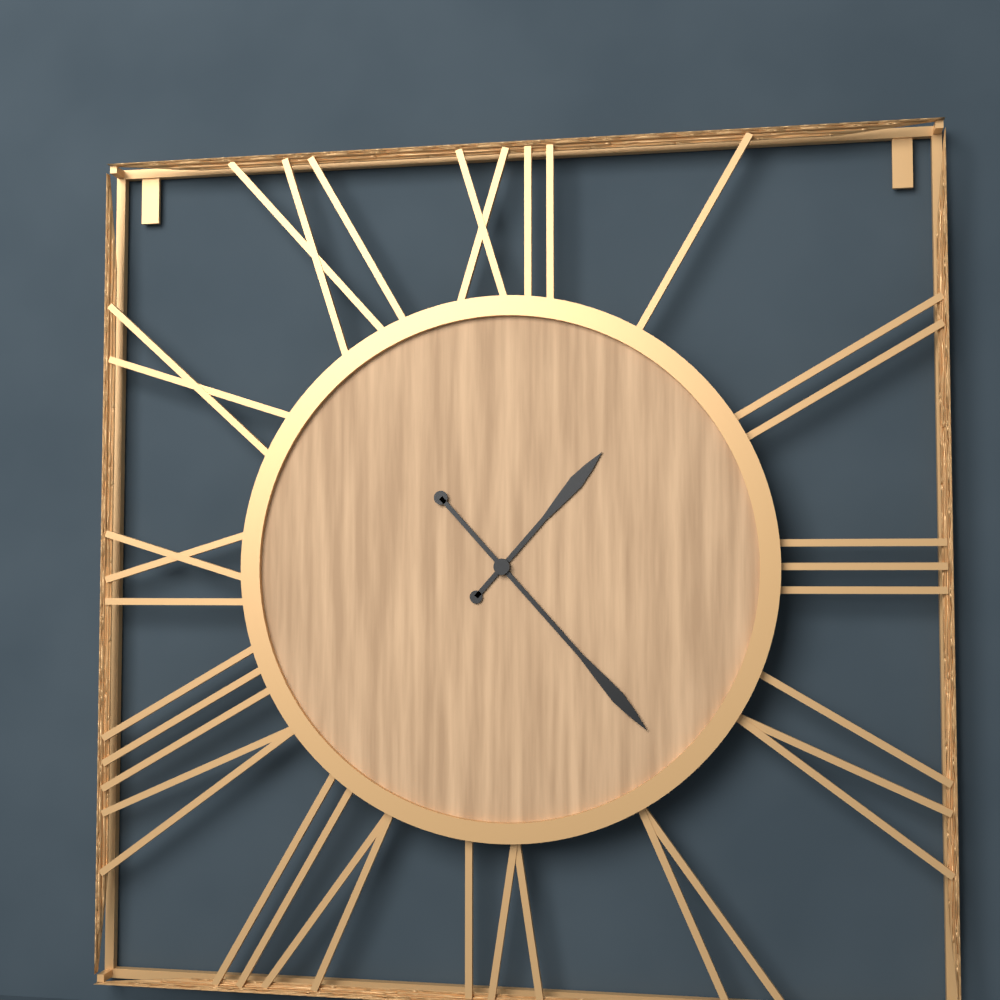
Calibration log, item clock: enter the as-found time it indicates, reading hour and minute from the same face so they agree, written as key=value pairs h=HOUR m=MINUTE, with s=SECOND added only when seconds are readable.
h=1 m=23
